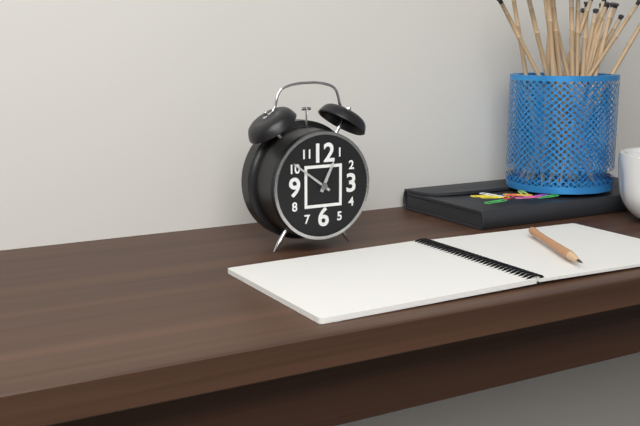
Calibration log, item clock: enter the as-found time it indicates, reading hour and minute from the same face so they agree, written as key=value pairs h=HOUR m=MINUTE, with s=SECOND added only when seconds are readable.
h=12 m=51
